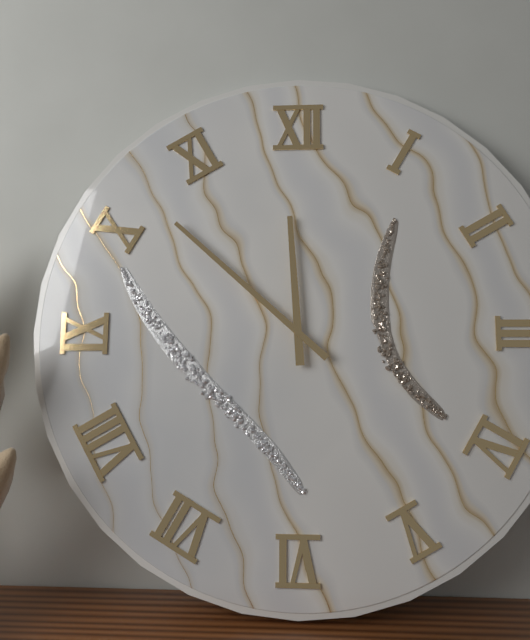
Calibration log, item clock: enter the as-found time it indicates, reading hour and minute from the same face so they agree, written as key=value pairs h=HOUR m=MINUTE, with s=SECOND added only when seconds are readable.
h=11 m=52
